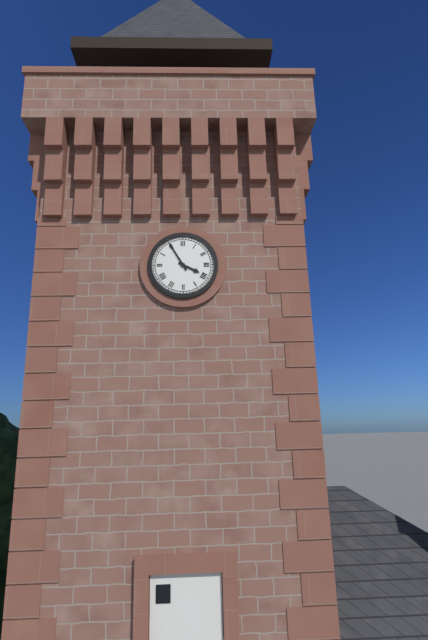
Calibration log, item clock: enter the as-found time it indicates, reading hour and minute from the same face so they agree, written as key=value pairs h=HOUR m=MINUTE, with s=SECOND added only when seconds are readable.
h=3 m=55
